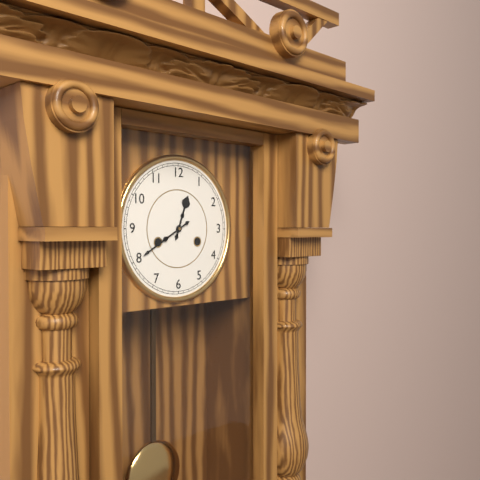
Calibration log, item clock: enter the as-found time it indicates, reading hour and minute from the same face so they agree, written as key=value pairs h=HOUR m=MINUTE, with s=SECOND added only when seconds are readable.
h=12 m=40
